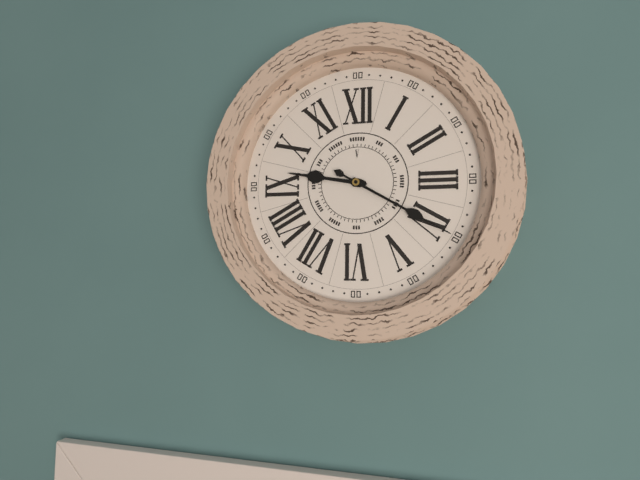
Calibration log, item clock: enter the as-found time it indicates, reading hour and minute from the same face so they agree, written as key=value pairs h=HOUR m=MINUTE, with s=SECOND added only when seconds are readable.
h=9 m=20
